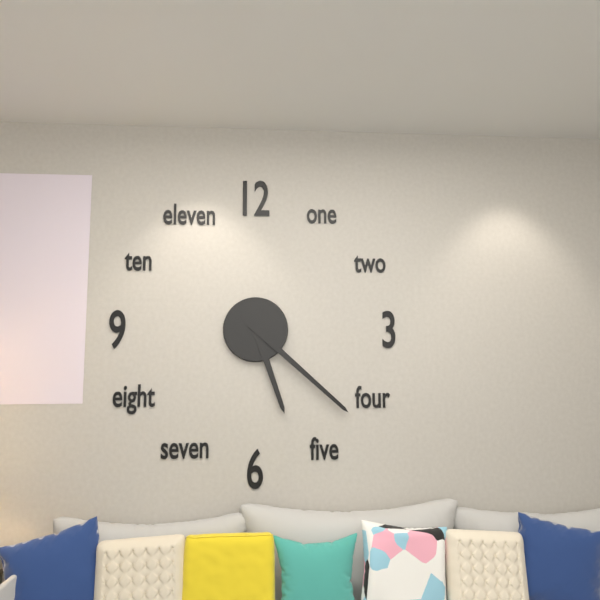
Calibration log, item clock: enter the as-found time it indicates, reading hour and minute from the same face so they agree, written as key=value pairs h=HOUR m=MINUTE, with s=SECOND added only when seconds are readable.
h=5 m=22
